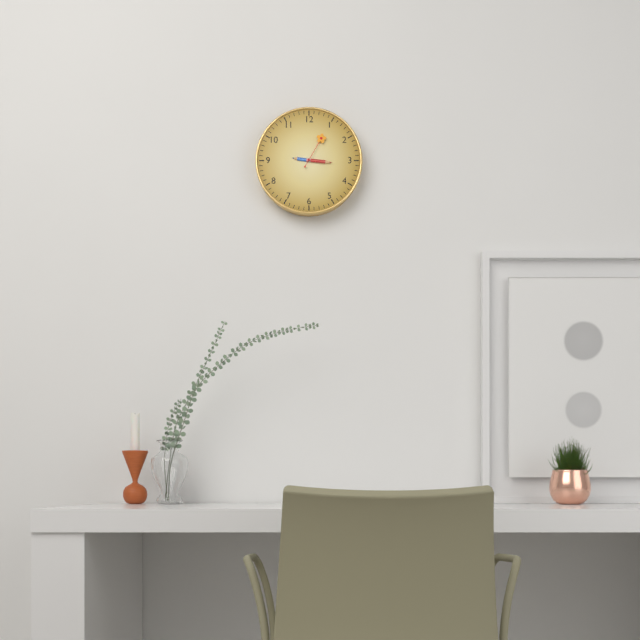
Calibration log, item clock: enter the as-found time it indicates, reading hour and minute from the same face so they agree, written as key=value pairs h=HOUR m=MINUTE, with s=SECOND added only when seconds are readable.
h=9 m=16
